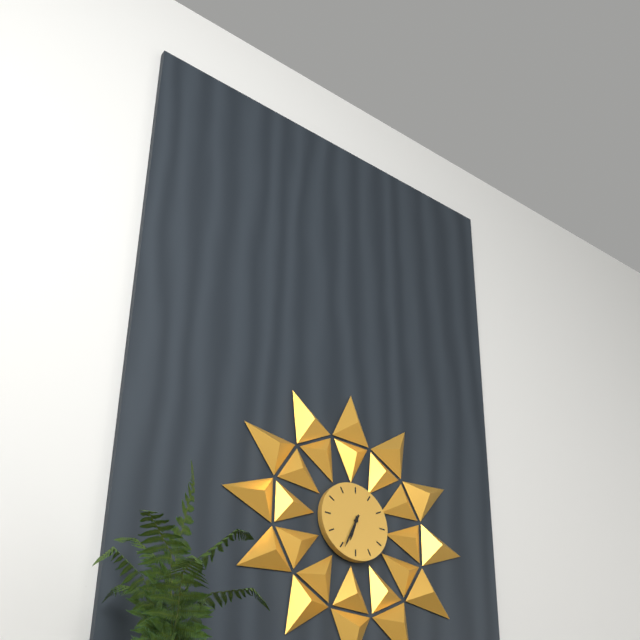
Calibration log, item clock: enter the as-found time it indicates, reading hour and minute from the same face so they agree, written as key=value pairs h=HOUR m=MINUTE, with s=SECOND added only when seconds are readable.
h=6 m=34
